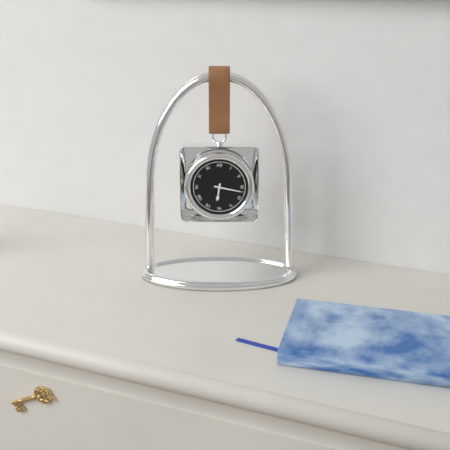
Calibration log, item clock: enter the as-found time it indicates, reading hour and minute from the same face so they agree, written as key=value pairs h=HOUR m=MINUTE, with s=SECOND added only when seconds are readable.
h=6 m=17
